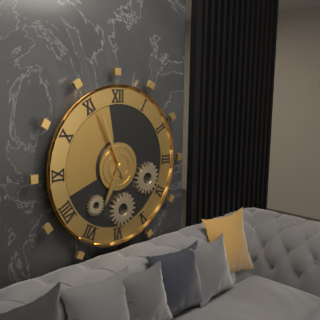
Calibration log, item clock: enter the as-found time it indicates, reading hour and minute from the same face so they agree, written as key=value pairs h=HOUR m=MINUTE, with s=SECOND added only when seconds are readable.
h=6 m=56
